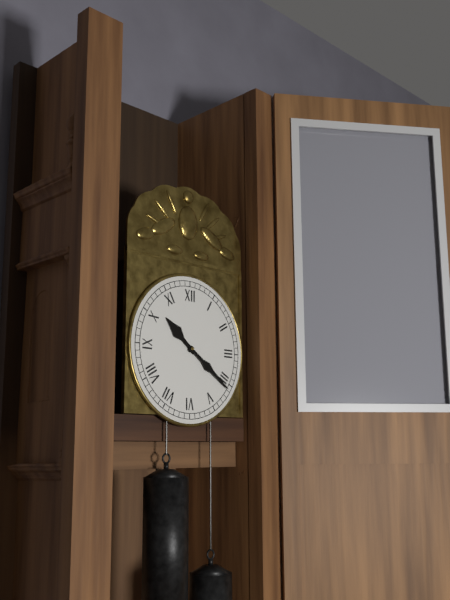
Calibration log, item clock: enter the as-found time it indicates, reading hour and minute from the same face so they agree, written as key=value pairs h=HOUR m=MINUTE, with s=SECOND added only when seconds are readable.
h=10 m=21
